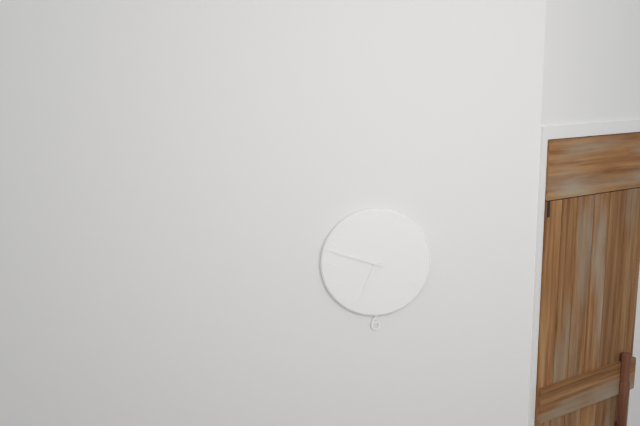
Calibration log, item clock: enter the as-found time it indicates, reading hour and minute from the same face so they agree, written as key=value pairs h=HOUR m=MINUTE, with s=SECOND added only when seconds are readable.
h=6 m=48
